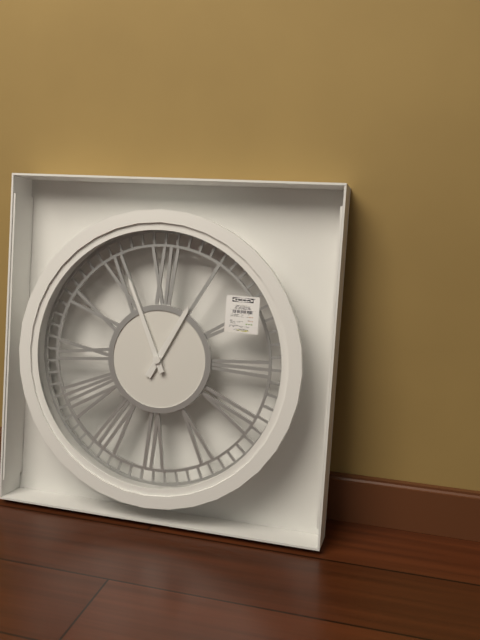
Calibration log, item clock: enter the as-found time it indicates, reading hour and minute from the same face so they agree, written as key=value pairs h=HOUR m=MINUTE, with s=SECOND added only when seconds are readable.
h=12 m=56
